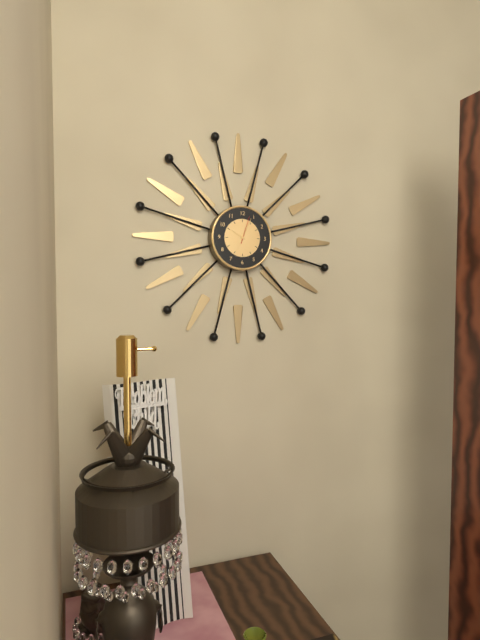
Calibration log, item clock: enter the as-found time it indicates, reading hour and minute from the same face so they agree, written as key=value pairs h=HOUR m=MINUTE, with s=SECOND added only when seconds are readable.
h=10 m=4
